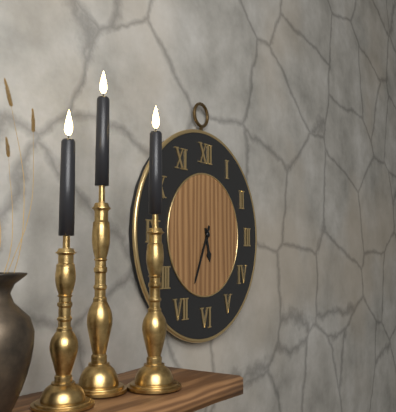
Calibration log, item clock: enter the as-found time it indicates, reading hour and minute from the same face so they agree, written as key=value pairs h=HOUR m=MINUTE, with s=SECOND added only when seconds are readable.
h=5 m=34
